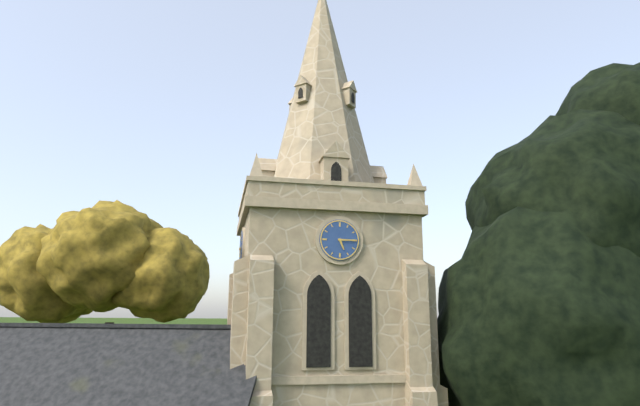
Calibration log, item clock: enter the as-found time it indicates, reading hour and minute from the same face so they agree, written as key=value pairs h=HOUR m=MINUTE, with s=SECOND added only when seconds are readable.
h=5 m=15
